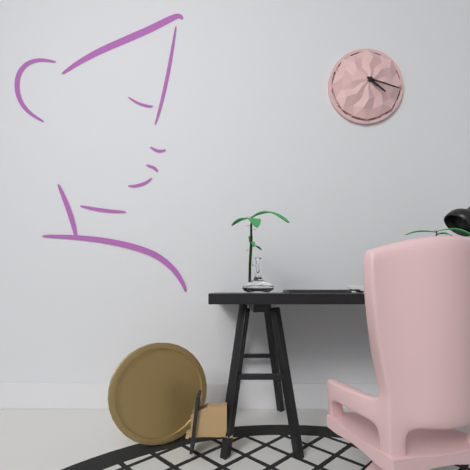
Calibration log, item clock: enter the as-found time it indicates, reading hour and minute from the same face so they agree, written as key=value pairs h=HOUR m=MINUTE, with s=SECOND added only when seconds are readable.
h=4 m=18
